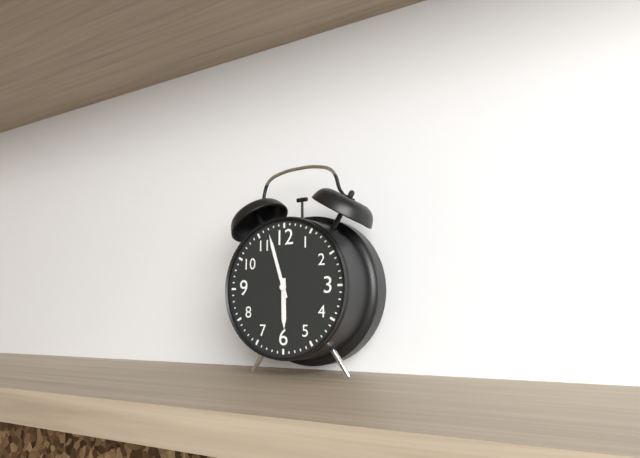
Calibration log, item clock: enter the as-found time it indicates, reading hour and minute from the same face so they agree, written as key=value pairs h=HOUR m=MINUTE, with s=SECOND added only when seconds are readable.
h=5 m=57
